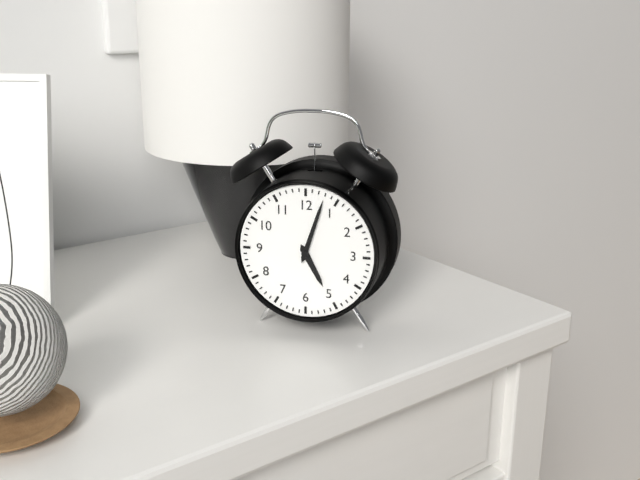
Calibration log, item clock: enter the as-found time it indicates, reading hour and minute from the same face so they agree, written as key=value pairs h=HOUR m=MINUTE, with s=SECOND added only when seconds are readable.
h=5 m=3
